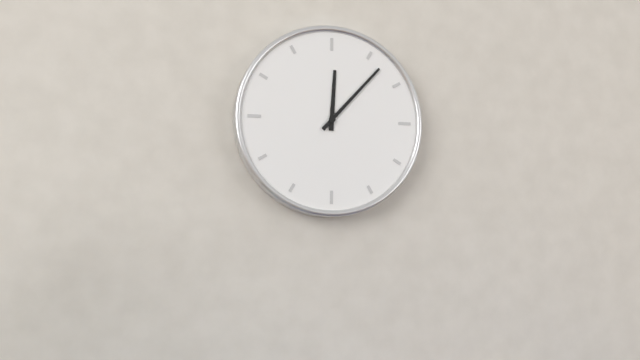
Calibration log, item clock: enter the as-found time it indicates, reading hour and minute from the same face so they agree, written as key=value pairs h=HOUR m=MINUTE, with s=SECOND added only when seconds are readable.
h=12 m=7
